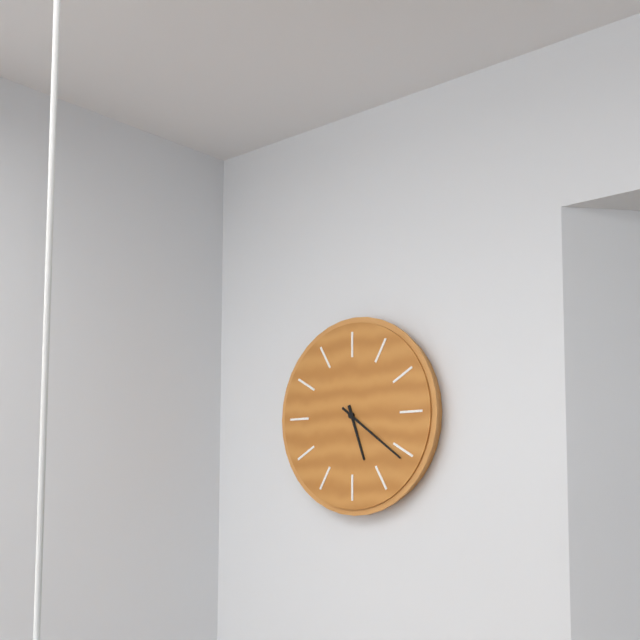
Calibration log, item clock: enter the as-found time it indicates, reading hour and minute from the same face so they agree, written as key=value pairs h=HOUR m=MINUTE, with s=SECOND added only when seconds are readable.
h=5 m=21
